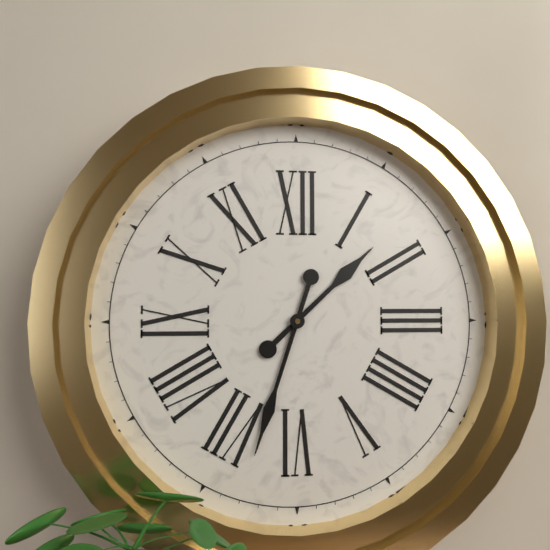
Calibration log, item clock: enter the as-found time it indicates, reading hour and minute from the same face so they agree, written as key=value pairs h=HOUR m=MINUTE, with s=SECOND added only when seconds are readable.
h=1 m=33
